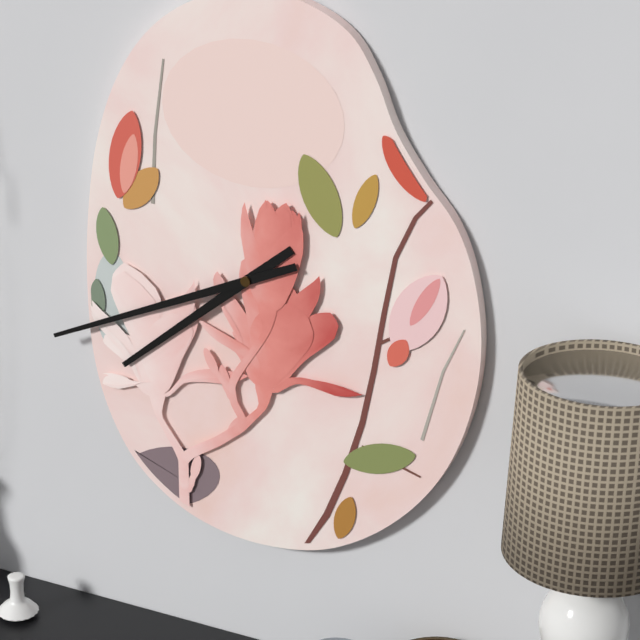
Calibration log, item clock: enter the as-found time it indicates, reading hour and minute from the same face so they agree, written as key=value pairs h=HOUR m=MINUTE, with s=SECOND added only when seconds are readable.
h=7 m=41
